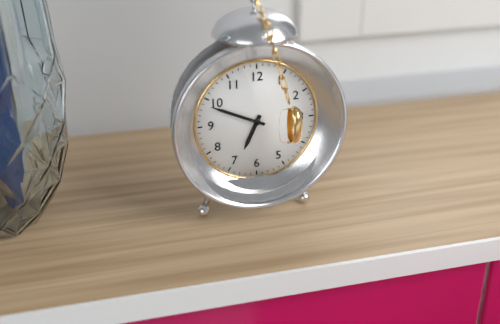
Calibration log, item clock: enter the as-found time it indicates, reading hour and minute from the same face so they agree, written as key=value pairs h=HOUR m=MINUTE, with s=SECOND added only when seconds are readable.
h=6 m=49
